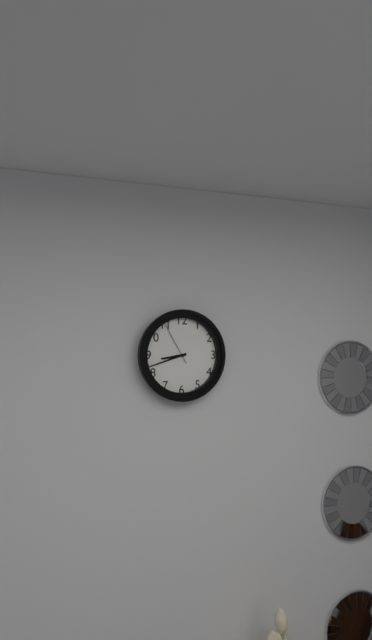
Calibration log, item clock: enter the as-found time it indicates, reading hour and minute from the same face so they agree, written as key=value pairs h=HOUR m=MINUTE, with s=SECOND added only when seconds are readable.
h=8 m=42
